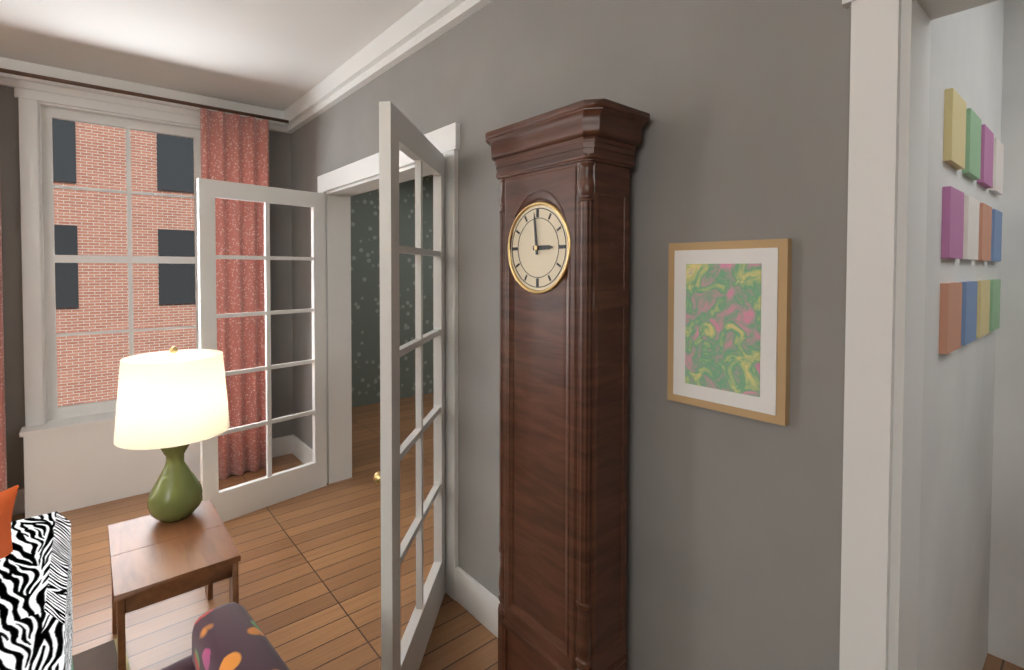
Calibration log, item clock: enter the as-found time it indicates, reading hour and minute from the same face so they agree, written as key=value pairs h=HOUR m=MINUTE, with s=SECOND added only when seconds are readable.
h=2 m=59
